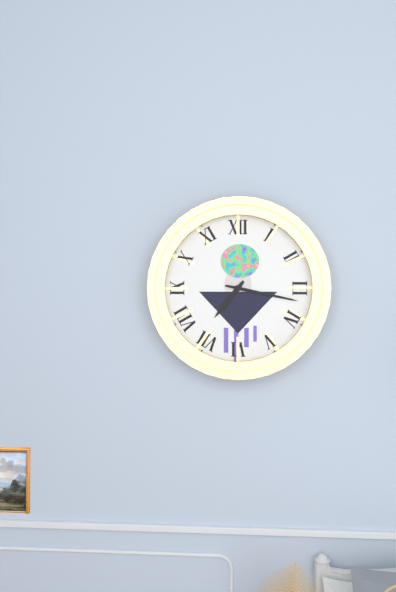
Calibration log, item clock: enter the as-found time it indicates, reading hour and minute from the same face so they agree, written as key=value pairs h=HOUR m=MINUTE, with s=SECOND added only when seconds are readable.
h=7 m=17
